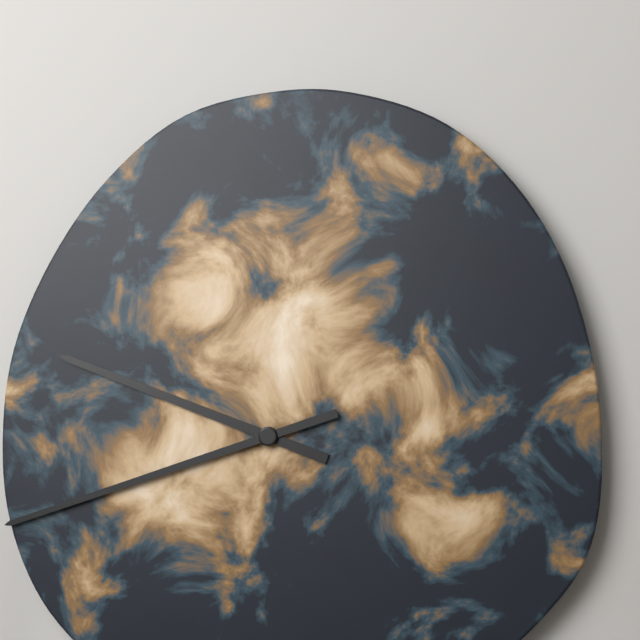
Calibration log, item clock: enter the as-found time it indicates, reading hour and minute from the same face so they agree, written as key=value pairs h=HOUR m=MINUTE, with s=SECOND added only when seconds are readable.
h=9 m=42
